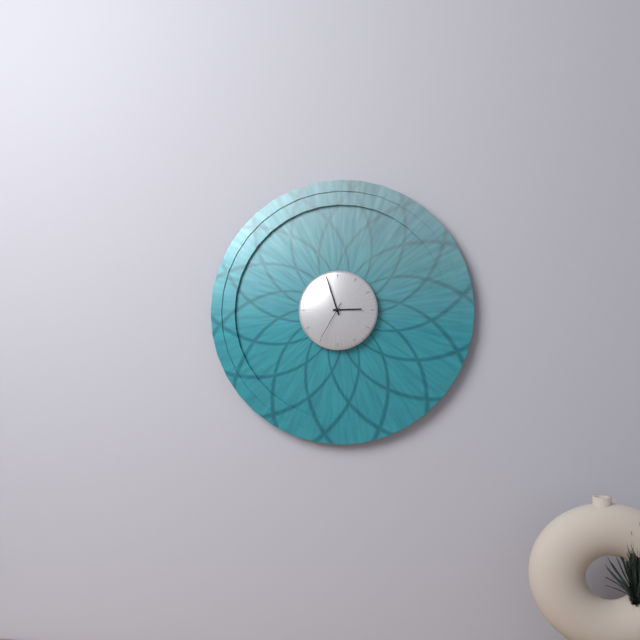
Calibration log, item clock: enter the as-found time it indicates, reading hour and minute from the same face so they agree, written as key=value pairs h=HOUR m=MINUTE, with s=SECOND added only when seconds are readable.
h=2 m=57
